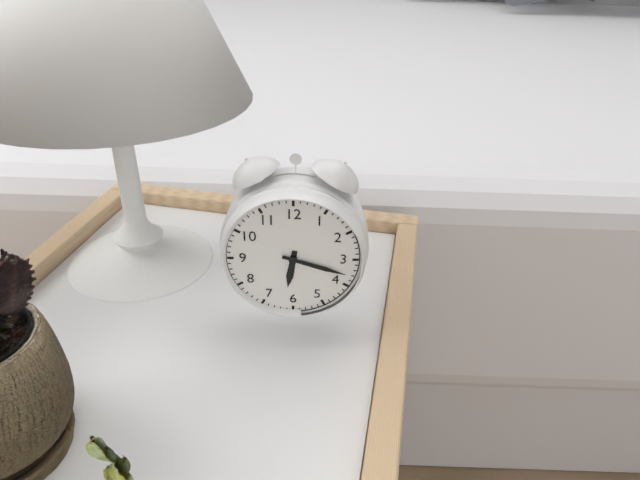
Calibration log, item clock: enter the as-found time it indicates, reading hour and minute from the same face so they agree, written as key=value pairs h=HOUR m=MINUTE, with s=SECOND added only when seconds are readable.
h=6 m=18
